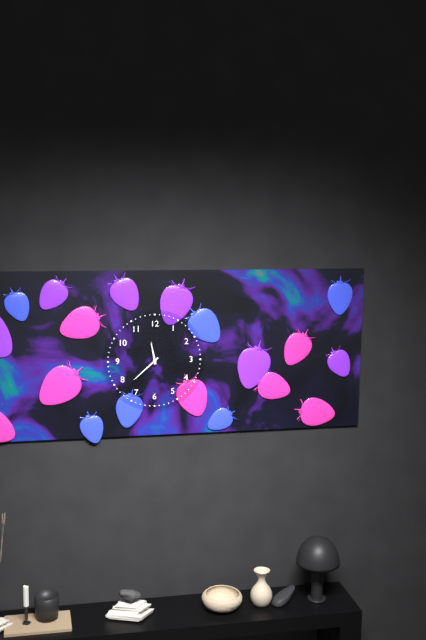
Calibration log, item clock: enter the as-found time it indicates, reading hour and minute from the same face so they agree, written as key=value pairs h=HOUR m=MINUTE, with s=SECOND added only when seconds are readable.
h=11 m=38
